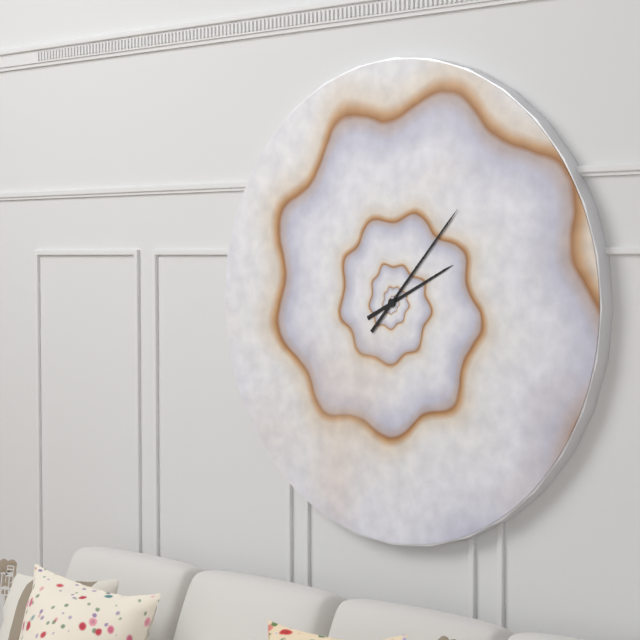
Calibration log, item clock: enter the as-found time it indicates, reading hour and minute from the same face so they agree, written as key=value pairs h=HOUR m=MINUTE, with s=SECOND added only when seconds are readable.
h=2 m=7
